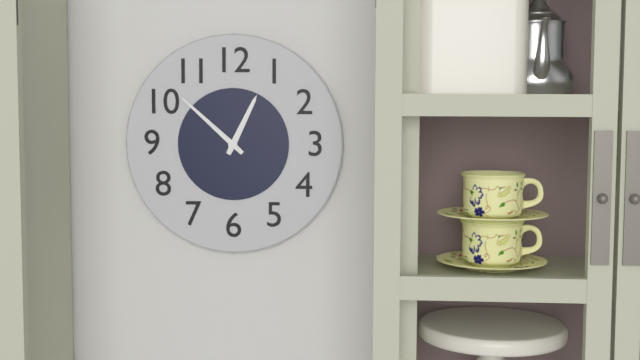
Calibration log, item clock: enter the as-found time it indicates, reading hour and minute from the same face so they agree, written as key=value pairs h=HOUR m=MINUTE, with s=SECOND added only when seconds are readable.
h=12 m=52
